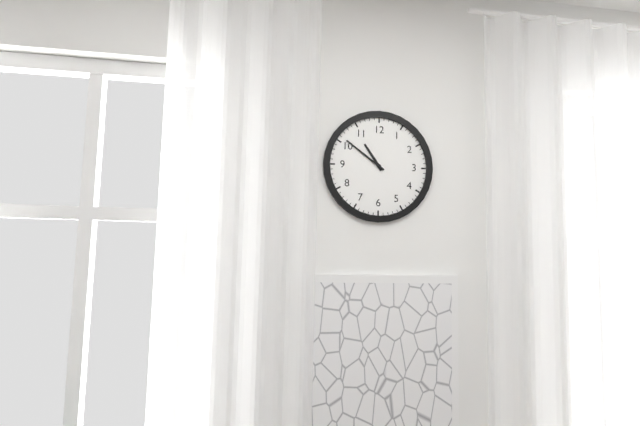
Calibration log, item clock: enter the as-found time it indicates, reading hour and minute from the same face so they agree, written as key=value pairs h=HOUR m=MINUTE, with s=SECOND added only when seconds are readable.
h=10 m=51
